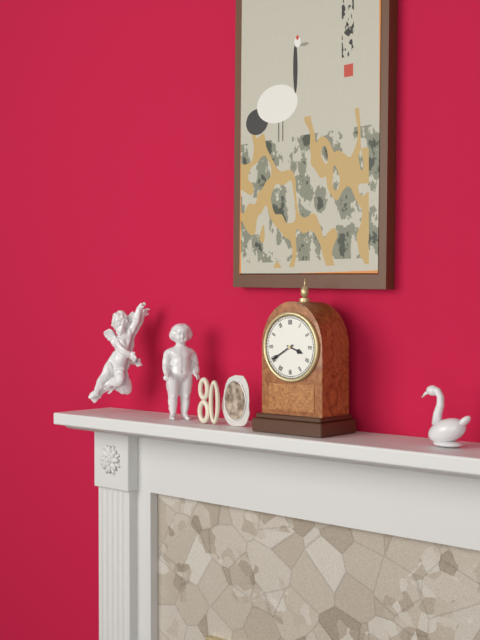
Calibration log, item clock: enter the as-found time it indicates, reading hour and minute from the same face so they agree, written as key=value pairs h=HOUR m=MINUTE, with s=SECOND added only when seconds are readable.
h=3 m=40
